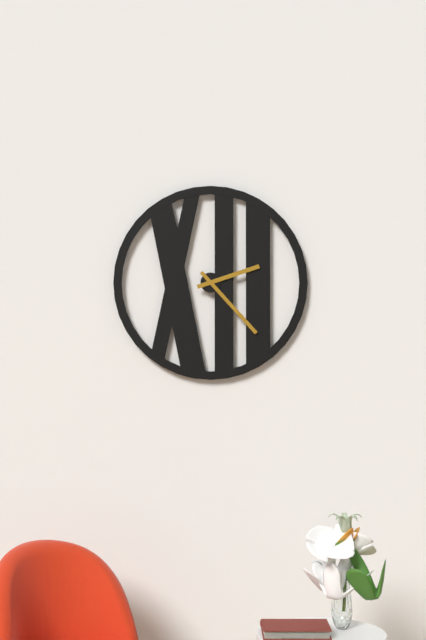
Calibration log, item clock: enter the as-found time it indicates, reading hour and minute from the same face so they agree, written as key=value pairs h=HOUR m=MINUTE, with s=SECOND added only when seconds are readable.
h=2 m=23
